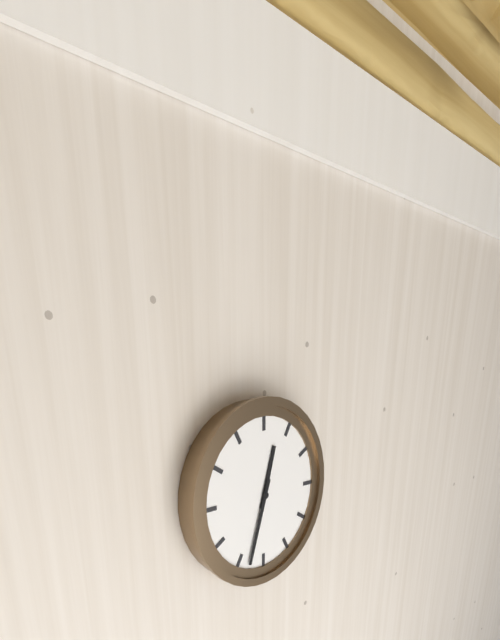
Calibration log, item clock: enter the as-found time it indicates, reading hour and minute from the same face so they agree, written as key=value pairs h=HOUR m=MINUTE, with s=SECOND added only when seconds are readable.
h=12 m=33
